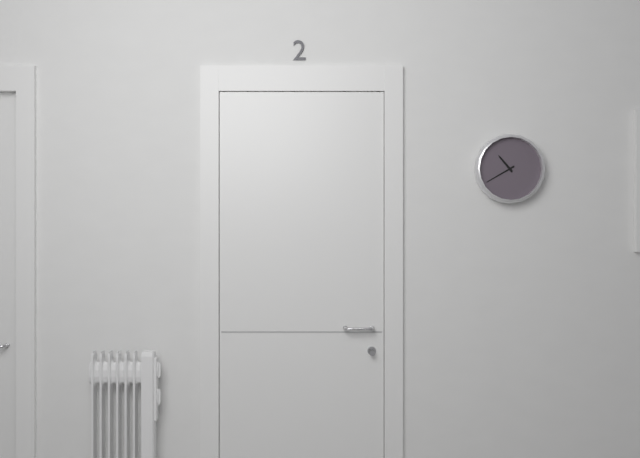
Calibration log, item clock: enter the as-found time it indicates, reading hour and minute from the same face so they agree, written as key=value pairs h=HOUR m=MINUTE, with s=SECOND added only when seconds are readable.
h=10 m=40
